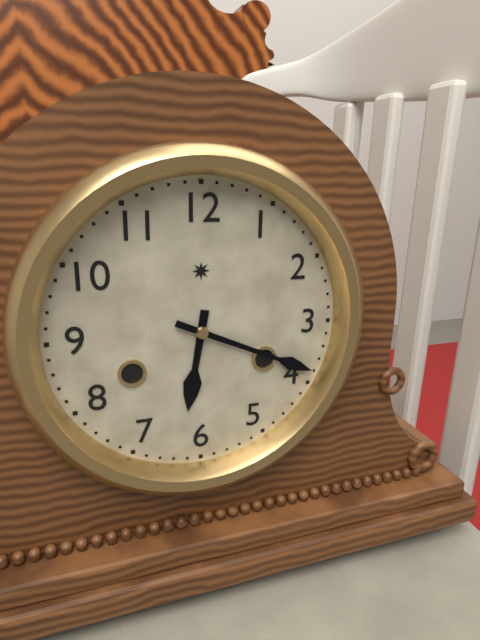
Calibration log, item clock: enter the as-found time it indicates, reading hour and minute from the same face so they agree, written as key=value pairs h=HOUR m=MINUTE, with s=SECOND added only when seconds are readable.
h=6 m=19
